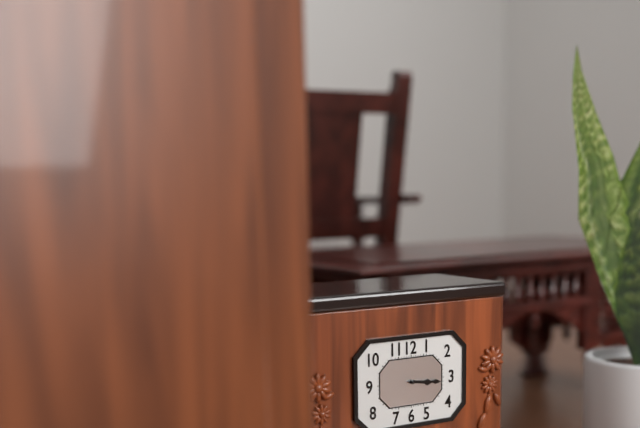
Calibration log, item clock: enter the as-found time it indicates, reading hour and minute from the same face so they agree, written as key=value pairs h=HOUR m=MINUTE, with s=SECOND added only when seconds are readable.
h=3 m=16
